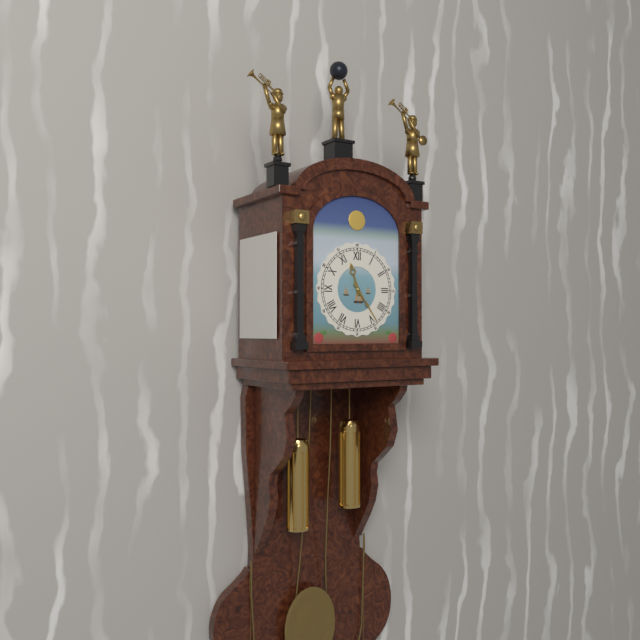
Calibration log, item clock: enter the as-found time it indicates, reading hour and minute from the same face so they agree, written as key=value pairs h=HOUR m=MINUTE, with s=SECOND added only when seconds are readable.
h=11 m=24
